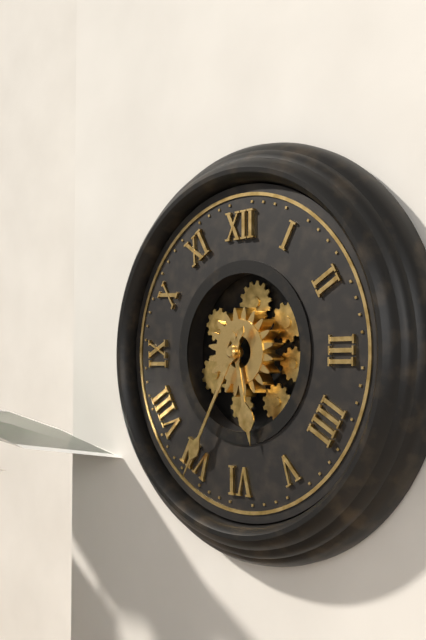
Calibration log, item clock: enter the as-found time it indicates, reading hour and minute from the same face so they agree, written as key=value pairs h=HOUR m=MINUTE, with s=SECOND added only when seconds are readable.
h=5 m=35
